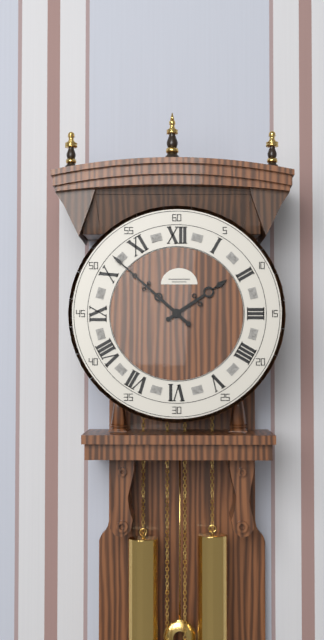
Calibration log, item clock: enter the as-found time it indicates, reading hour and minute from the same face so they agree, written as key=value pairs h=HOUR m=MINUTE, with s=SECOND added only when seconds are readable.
h=1 m=52
